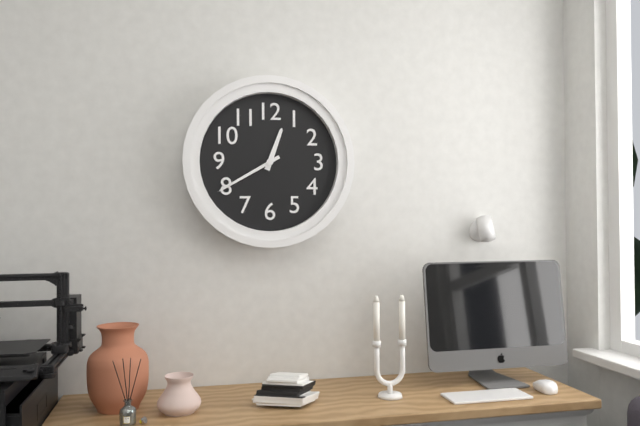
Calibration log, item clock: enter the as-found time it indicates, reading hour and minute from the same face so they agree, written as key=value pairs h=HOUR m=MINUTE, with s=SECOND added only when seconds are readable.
h=12 m=40
